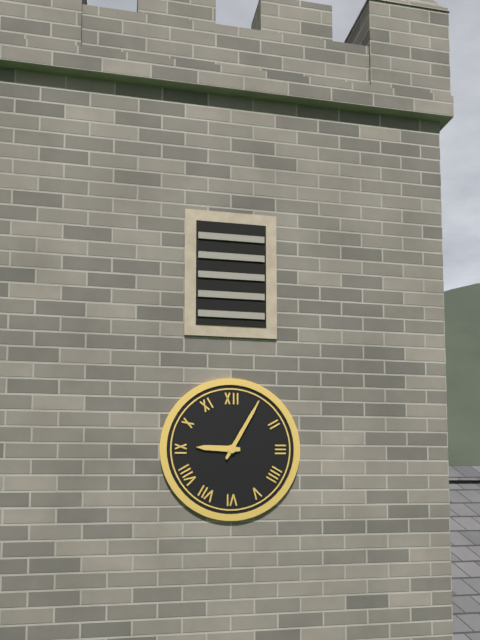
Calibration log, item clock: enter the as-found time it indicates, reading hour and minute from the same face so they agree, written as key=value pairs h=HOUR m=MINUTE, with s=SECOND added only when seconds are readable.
h=9 m=5
